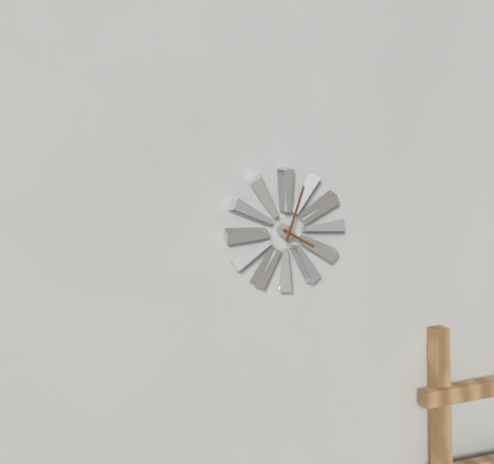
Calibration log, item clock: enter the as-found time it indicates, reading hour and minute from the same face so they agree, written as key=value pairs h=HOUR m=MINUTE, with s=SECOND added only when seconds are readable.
h=4 m=3
